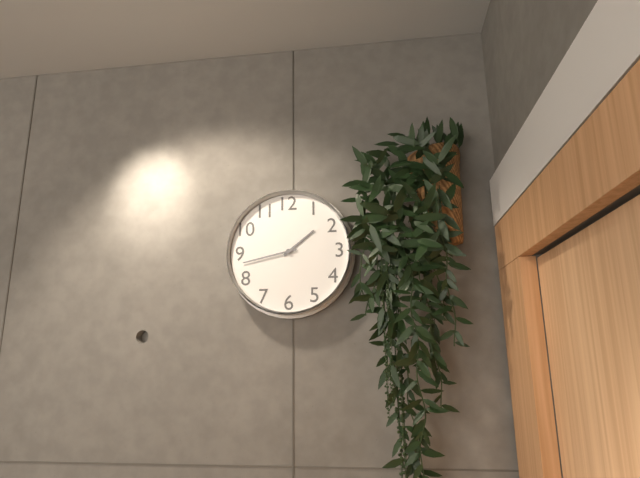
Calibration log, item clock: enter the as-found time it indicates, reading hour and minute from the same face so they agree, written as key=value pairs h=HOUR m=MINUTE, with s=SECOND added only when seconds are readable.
h=1 m=43
